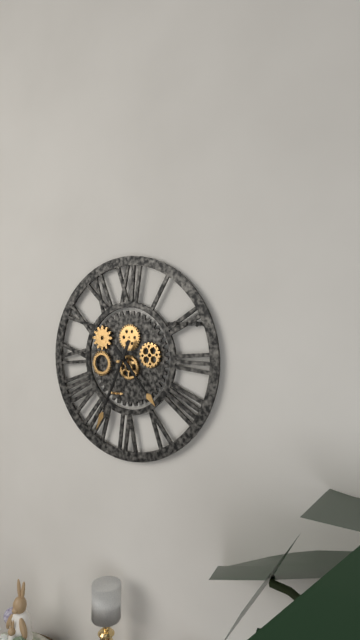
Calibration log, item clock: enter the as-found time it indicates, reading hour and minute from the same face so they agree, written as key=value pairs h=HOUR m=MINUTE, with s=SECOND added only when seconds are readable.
h=4 m=34
